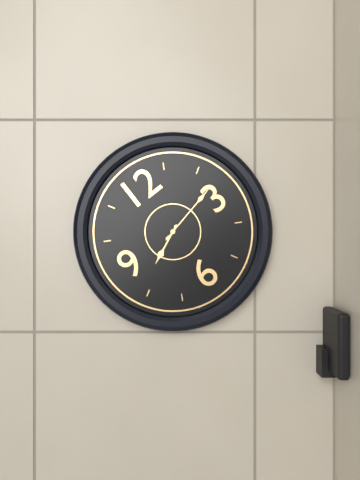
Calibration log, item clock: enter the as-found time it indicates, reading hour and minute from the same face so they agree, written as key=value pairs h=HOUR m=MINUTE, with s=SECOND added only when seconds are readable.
h=8 m=13
